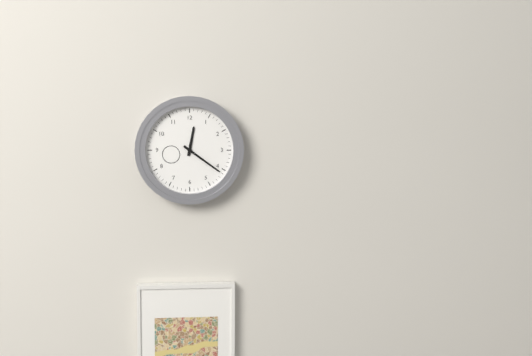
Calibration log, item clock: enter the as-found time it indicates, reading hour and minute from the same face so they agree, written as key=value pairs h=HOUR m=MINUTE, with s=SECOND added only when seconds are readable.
h=12 m=21
